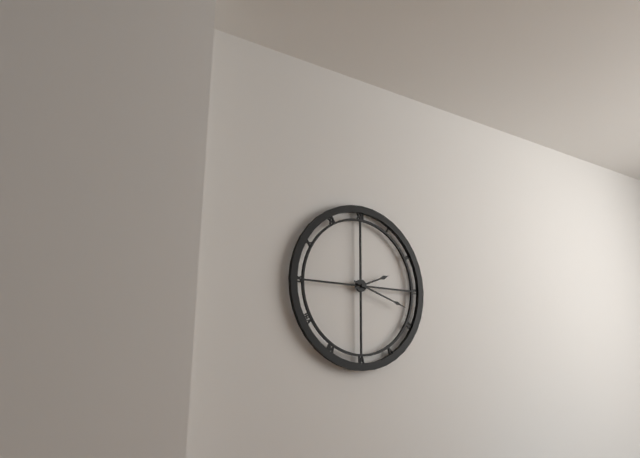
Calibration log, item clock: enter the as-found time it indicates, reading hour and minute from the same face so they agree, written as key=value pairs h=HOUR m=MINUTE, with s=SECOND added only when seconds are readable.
h=2 m=18
